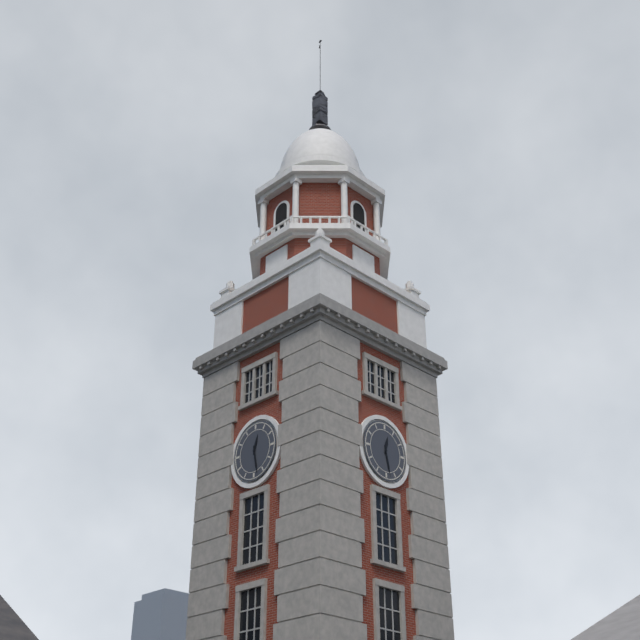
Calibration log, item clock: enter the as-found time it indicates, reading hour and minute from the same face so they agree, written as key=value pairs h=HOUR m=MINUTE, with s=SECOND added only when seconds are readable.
h=12 m=28
